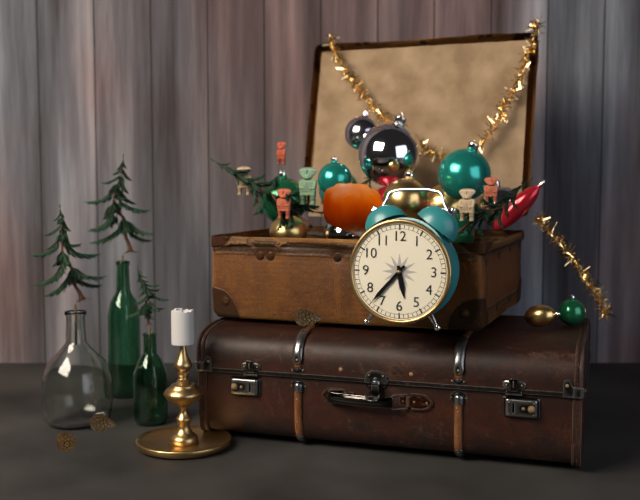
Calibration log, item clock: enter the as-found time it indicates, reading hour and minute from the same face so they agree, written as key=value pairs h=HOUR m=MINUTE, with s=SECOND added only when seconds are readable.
h=5 m=37
